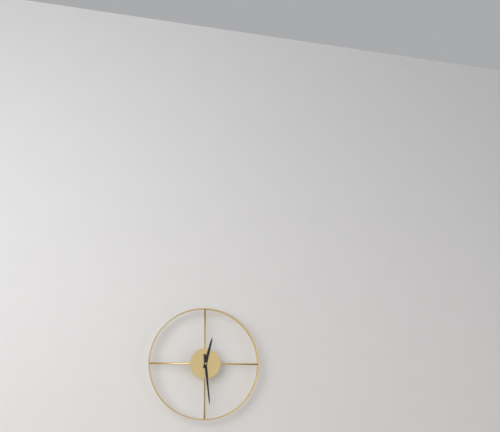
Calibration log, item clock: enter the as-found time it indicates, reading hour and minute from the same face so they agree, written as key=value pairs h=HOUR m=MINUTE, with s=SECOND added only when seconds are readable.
h=12 m=29
